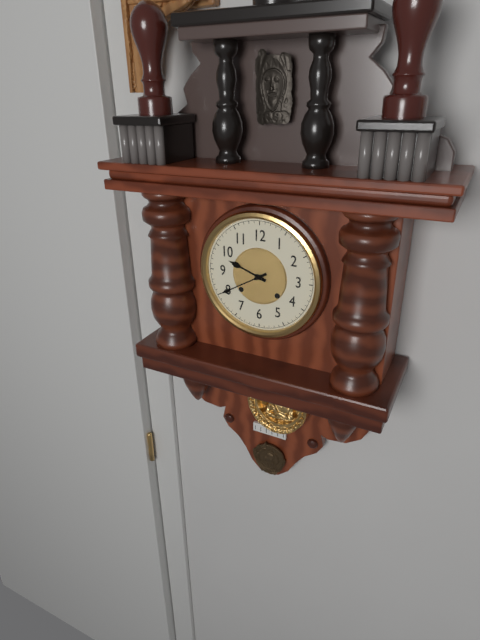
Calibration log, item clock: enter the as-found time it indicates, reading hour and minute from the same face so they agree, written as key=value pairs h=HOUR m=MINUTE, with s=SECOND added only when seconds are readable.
h=9 m=40
